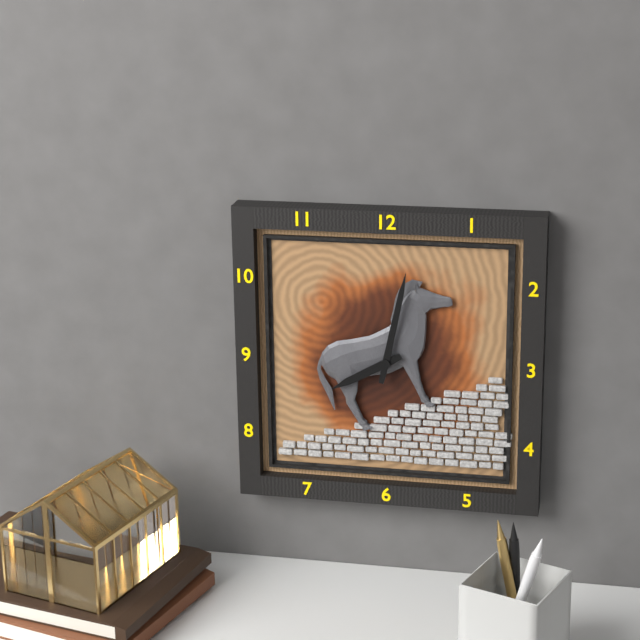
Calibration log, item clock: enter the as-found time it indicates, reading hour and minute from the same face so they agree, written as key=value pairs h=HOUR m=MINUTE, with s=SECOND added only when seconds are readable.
h=8 m=2
